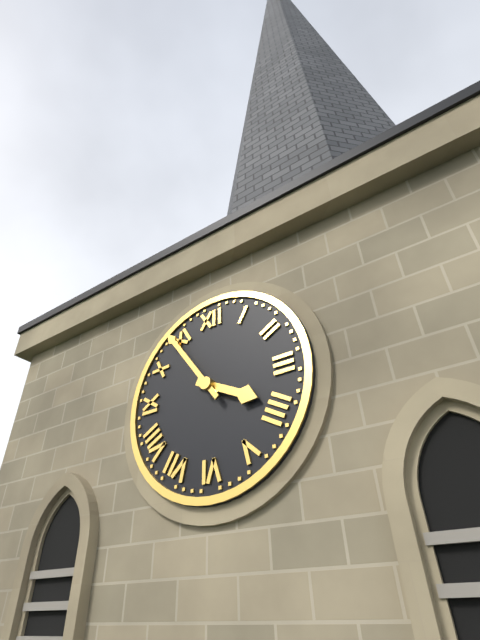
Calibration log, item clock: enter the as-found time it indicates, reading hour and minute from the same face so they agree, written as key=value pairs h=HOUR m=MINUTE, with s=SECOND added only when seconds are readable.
h=3 m=54
